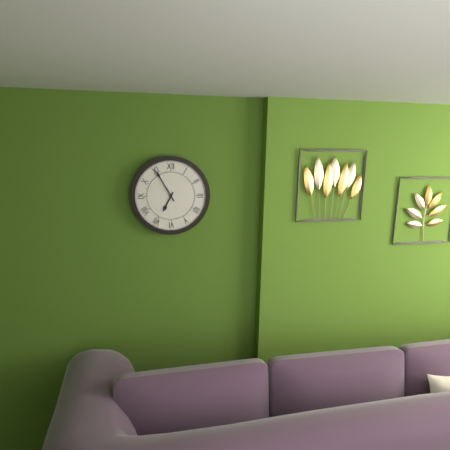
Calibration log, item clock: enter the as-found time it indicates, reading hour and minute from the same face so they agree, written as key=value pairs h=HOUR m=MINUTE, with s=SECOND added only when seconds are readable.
h=6 m=55
